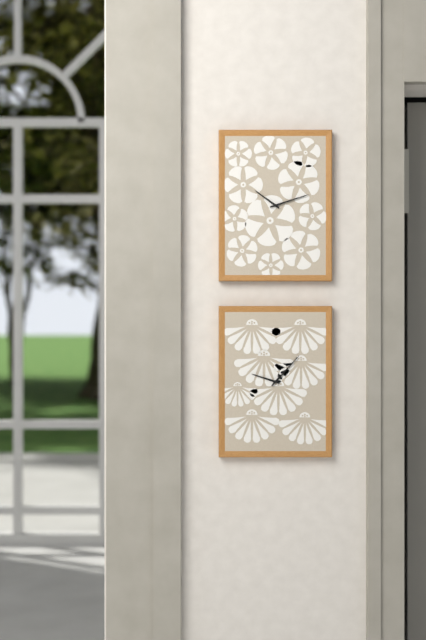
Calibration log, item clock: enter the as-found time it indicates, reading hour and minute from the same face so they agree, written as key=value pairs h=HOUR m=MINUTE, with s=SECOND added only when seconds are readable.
h=10 m=12
